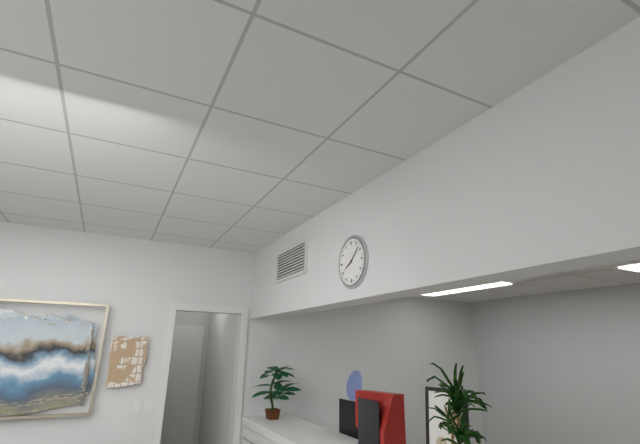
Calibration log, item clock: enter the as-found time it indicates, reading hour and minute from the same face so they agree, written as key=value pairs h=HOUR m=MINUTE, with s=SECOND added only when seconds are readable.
h=8 m=8
